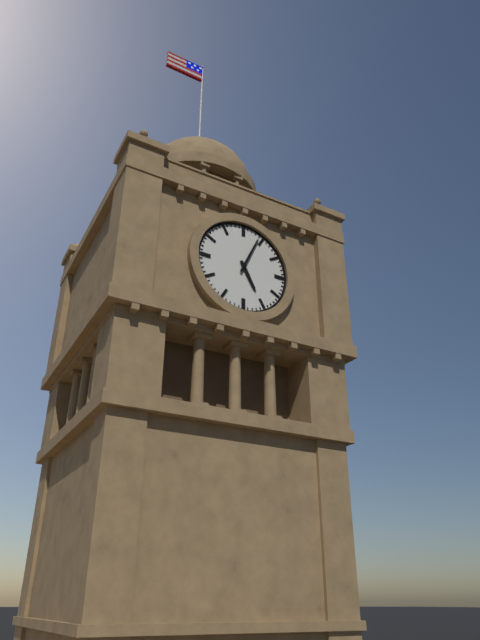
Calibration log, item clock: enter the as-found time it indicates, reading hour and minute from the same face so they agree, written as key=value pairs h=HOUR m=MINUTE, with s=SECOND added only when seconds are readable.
h=5 m=4
